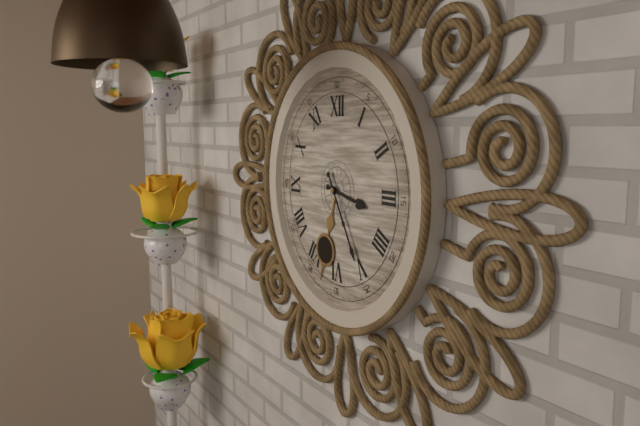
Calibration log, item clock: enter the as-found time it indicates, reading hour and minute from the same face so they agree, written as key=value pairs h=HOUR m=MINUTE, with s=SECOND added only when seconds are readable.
h=3 m=25
